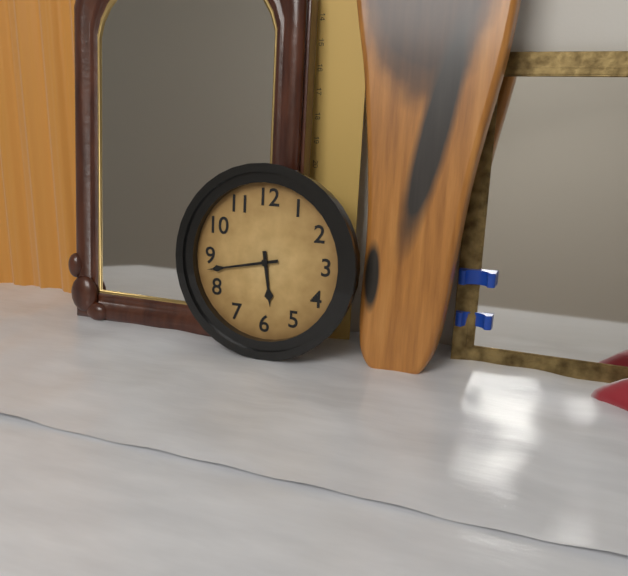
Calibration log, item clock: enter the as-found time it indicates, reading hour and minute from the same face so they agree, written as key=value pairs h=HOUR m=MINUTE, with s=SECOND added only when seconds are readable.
h=5 m=43
